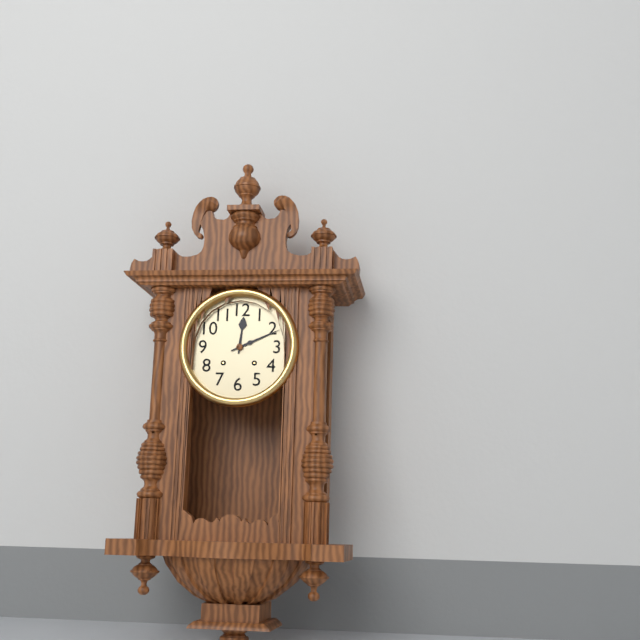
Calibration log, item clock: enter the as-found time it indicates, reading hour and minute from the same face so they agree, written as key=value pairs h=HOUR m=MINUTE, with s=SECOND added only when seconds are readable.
h=12 m=11
